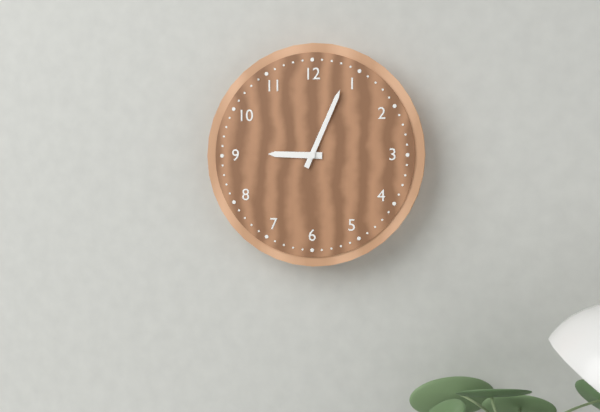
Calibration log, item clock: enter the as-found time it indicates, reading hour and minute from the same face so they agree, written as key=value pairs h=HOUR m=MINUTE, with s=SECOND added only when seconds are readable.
h=9 m=4
